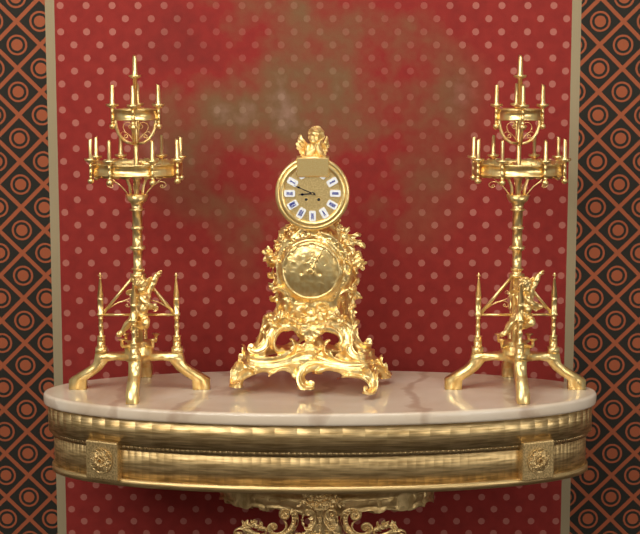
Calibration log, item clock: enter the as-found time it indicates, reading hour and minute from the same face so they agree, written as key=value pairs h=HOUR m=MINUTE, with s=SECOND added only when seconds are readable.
h=8 m=49
